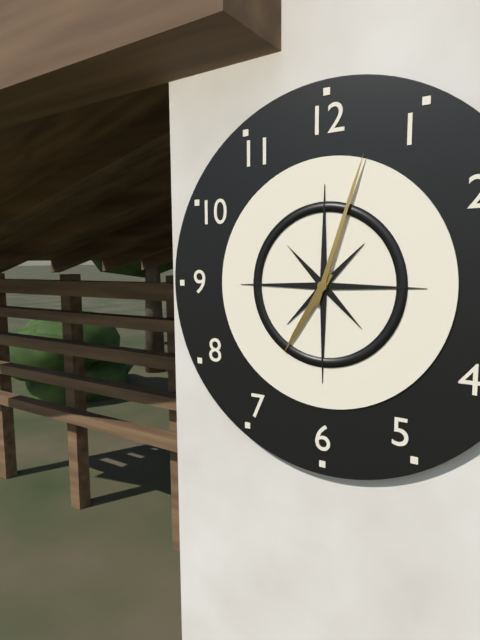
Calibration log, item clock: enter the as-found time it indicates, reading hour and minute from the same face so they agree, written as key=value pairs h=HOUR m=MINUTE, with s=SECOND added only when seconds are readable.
h=7 m=3
